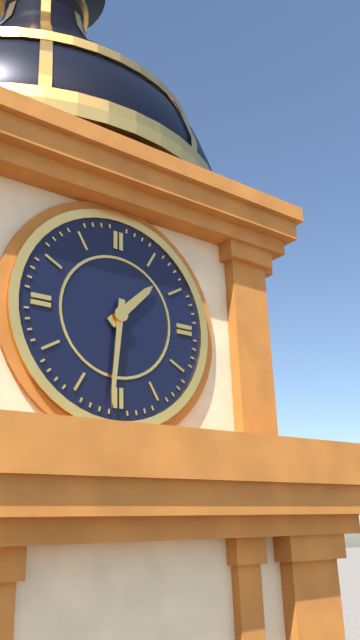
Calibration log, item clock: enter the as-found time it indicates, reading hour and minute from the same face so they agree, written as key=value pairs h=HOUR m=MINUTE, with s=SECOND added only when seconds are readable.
h=1 m=31
